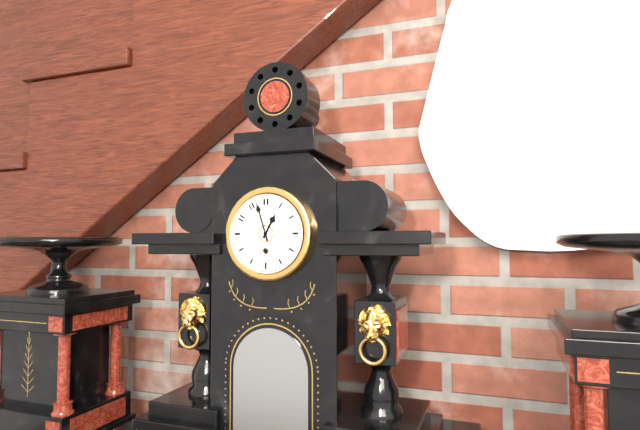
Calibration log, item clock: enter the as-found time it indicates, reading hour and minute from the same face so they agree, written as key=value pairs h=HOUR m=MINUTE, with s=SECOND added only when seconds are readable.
h=12 m=57
